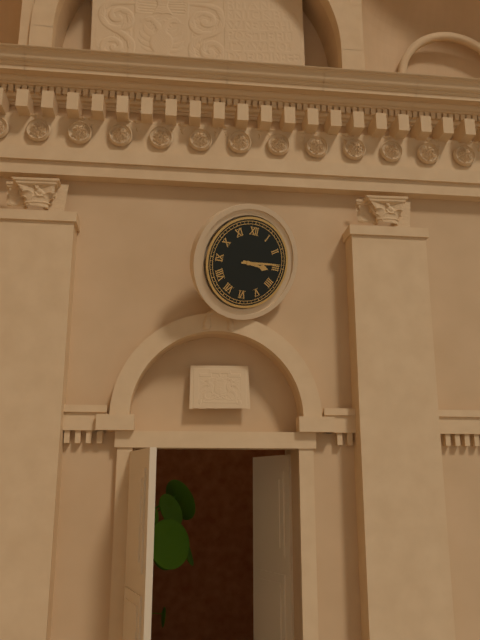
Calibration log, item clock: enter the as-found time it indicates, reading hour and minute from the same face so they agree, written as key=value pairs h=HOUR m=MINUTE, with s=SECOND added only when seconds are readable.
h=3 m=14
